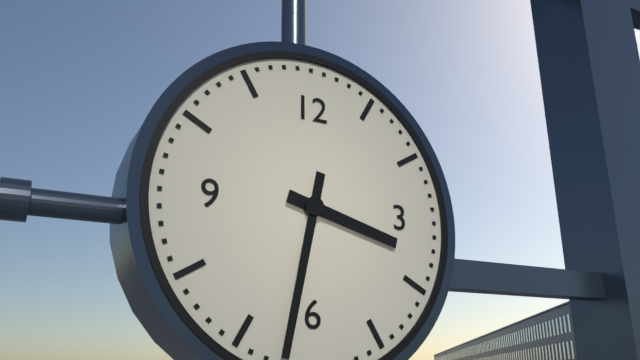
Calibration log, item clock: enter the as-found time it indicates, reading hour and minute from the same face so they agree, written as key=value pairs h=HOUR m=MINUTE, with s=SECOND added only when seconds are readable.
h=3 m=32
